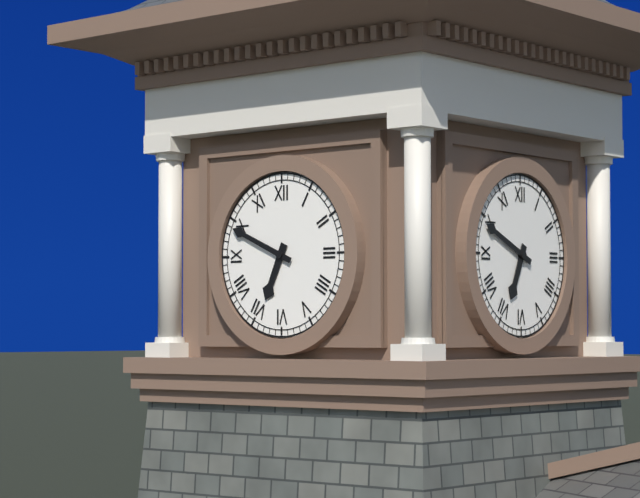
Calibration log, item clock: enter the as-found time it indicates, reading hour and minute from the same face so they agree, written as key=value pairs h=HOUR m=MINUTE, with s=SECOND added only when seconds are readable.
h=6 m=49
